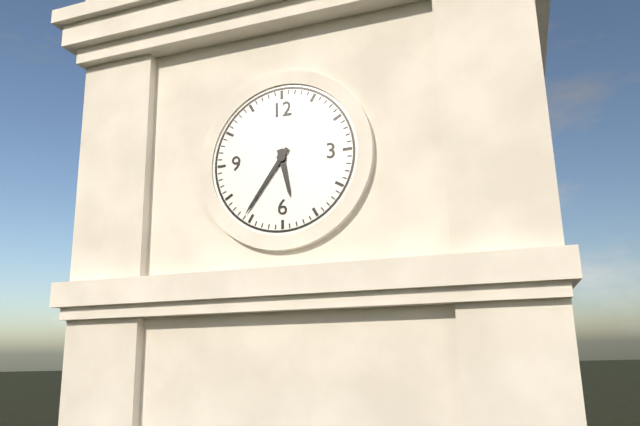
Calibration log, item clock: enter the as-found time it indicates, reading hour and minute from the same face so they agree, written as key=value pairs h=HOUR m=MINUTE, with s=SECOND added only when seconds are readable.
h=5 m=36
